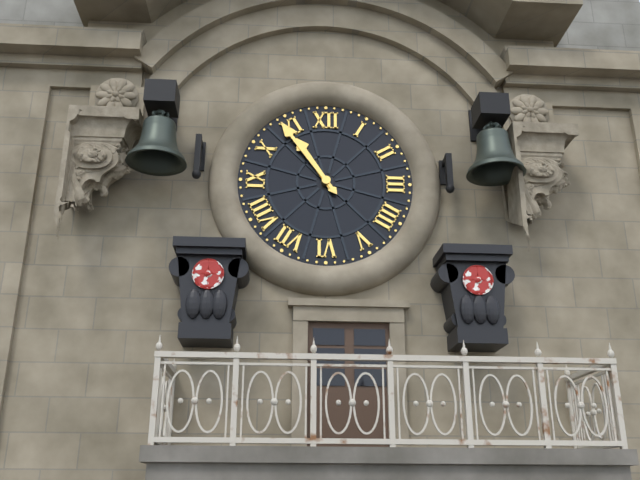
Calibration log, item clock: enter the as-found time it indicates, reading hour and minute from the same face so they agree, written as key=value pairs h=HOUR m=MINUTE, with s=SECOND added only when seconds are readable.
h=10 m=54
